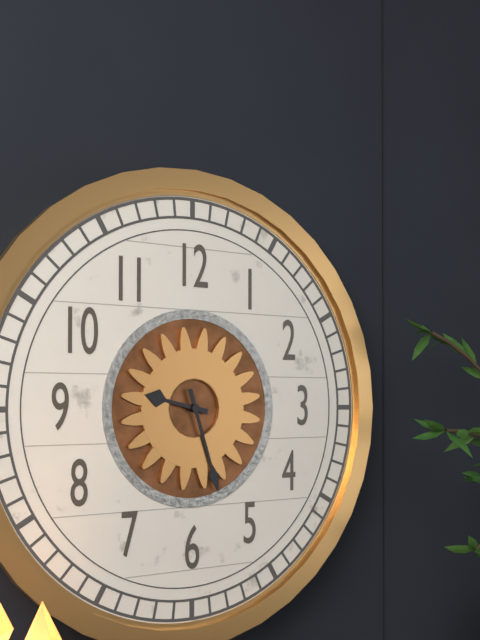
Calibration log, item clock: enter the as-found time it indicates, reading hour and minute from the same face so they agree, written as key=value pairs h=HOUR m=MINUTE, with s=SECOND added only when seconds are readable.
h=9 m=27
